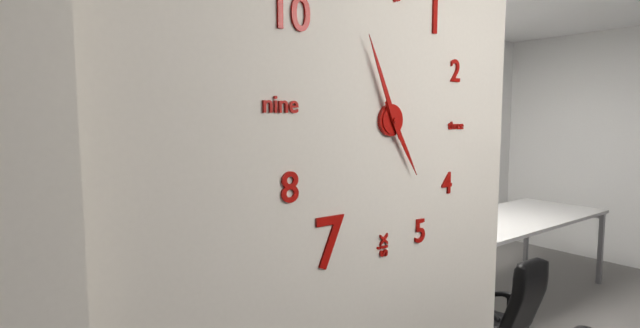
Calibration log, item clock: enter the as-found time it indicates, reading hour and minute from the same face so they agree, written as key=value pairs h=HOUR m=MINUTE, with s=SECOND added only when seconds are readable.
h=4 m=56
